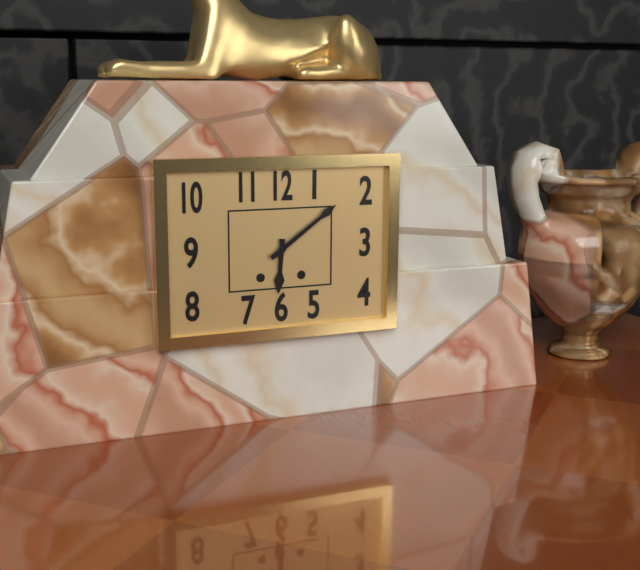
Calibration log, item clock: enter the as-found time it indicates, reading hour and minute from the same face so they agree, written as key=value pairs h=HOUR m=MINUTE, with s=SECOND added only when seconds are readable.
h=6 m=9
